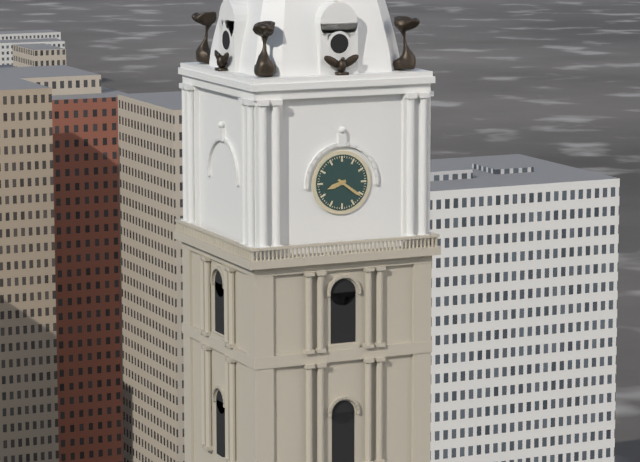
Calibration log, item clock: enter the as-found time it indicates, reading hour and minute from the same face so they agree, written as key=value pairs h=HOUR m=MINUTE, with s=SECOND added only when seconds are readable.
h=8 m=21
